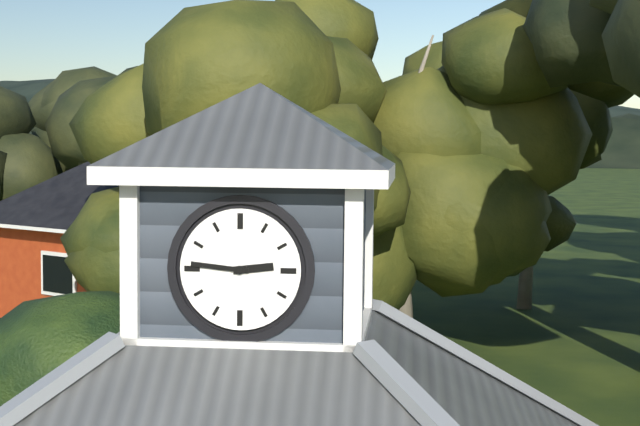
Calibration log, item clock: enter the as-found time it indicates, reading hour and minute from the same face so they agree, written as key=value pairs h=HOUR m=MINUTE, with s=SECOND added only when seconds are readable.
h=2 m=46
